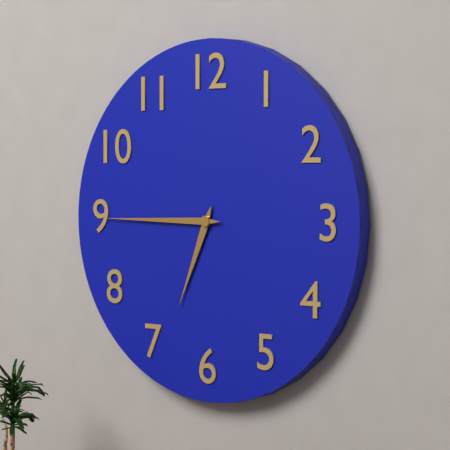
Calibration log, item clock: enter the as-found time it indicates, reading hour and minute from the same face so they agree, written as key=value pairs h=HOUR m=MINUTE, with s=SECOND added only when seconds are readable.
h=6 m=45
